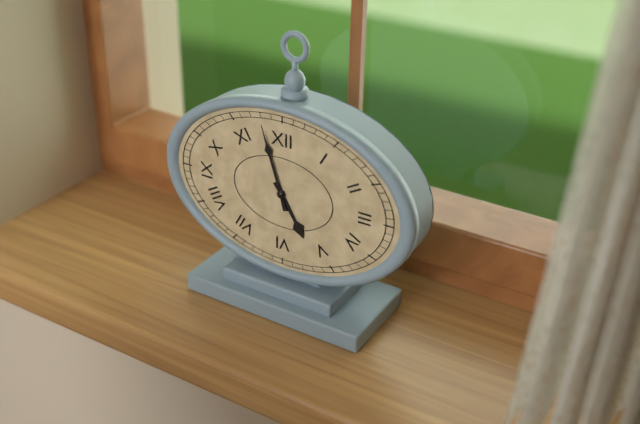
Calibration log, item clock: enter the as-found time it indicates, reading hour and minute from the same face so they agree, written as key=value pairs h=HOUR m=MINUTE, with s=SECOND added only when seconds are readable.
h=4 m=57
